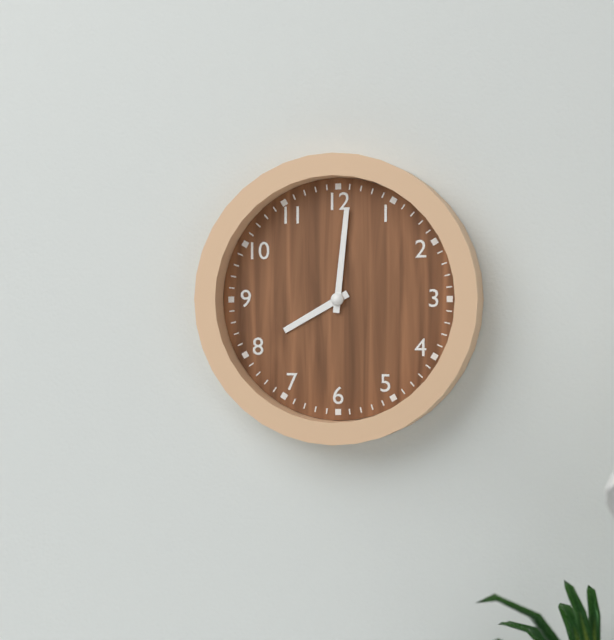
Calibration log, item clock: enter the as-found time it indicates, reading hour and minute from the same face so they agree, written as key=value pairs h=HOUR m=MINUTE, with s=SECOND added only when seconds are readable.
h=8 m=1
